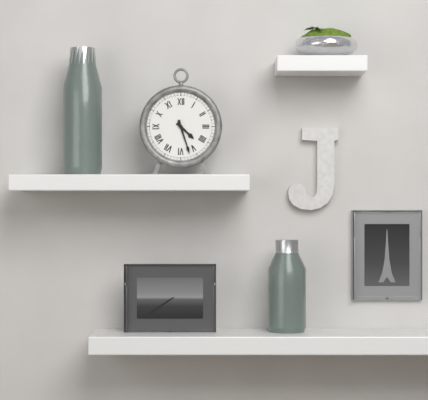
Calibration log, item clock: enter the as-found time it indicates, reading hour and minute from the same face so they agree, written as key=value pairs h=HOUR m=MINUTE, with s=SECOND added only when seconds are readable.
h=4 m=27
